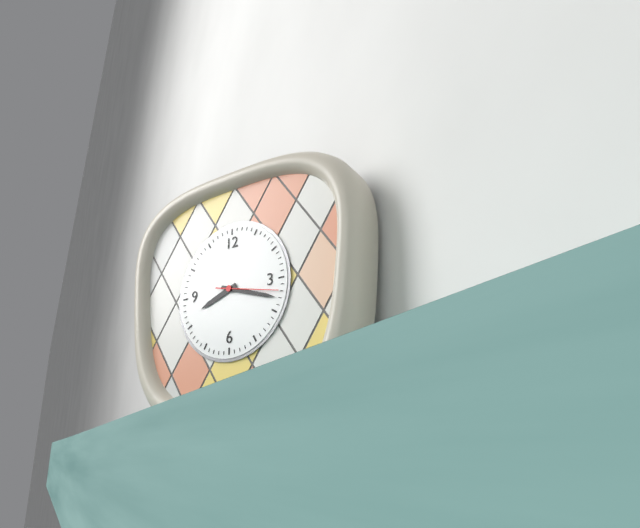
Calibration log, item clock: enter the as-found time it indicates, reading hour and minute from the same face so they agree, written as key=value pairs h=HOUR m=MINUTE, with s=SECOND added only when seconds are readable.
h=8 m=18
